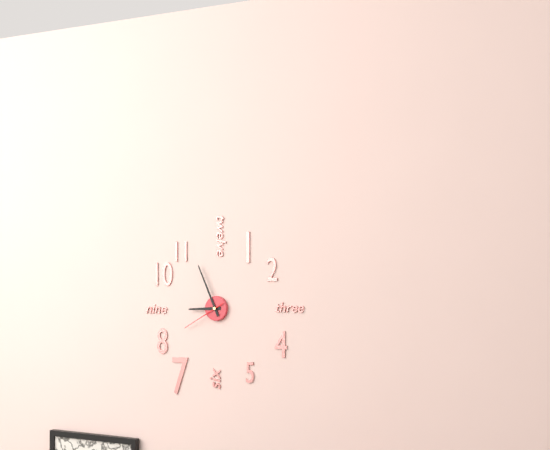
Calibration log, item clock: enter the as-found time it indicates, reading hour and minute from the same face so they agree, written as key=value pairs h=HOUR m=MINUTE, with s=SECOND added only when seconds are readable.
h=8 m=56
